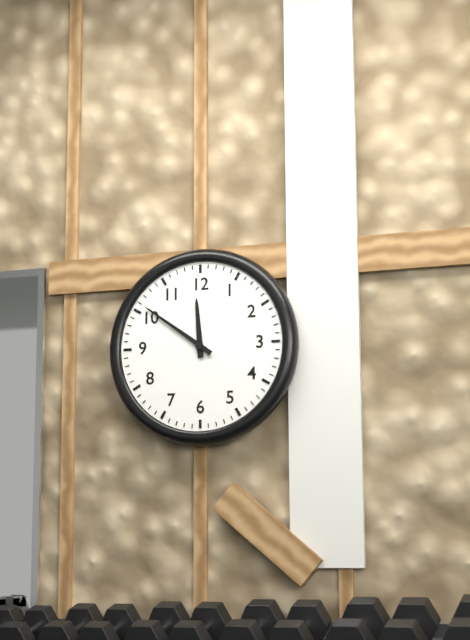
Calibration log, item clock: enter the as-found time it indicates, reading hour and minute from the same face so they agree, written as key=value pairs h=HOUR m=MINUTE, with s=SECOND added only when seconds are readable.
h=11 m=51
